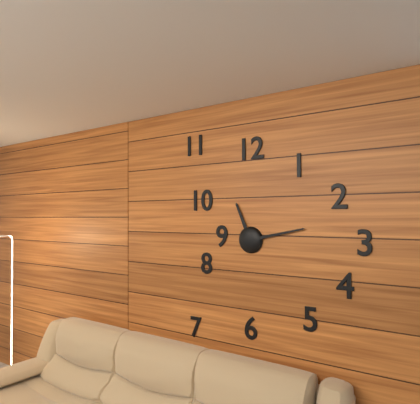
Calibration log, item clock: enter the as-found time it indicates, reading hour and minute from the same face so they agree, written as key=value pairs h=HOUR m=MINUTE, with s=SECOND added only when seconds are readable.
h=11 m=13
